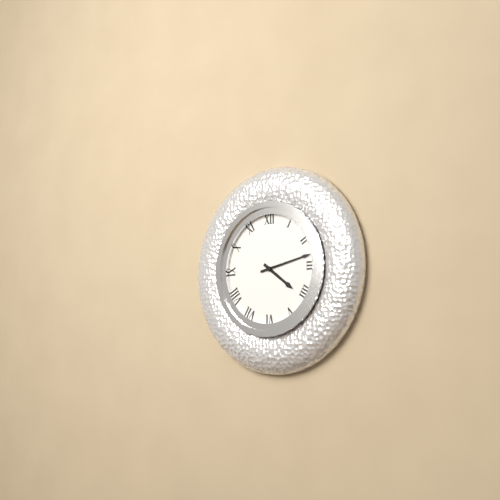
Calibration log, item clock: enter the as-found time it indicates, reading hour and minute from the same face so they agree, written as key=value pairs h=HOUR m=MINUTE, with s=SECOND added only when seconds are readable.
h=4 m=13
